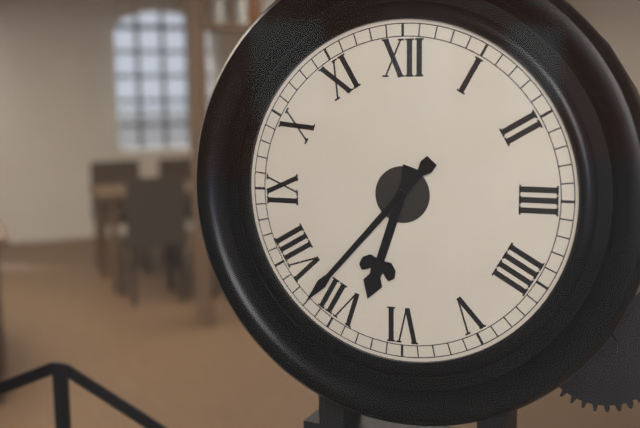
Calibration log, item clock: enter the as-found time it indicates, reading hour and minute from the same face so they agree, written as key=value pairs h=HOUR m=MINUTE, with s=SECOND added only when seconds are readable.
h=6 m=37
